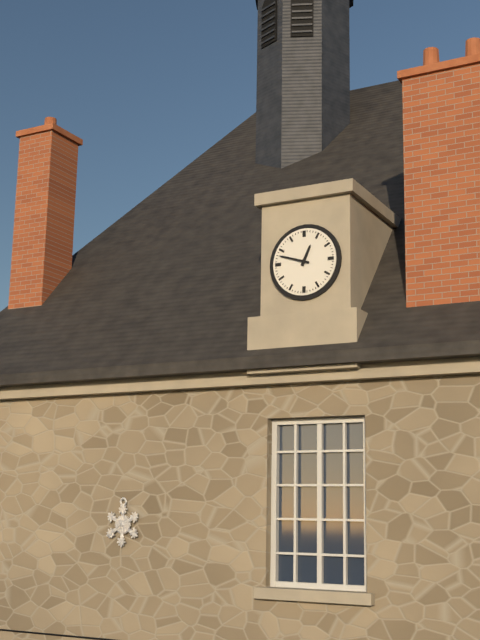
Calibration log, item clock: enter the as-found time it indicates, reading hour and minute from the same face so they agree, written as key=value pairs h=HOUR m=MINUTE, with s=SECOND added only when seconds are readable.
h=12 m=48
